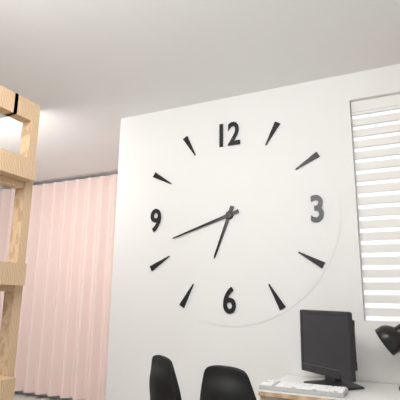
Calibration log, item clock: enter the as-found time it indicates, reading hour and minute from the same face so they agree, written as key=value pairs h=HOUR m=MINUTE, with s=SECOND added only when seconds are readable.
h=6 m=42
